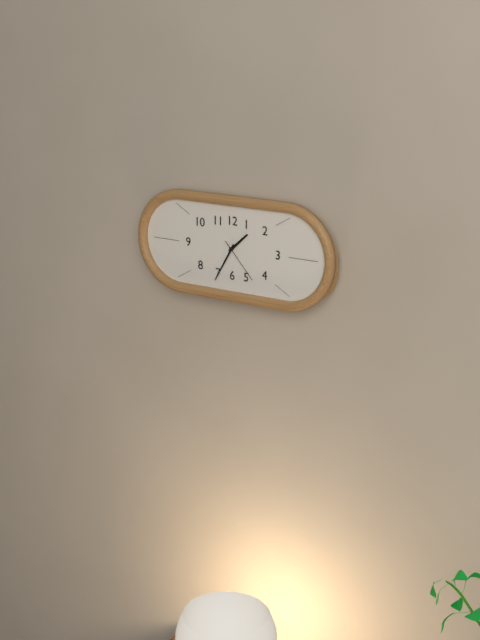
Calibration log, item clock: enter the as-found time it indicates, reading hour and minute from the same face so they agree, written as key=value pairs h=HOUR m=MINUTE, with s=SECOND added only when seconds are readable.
h=1 m=35
